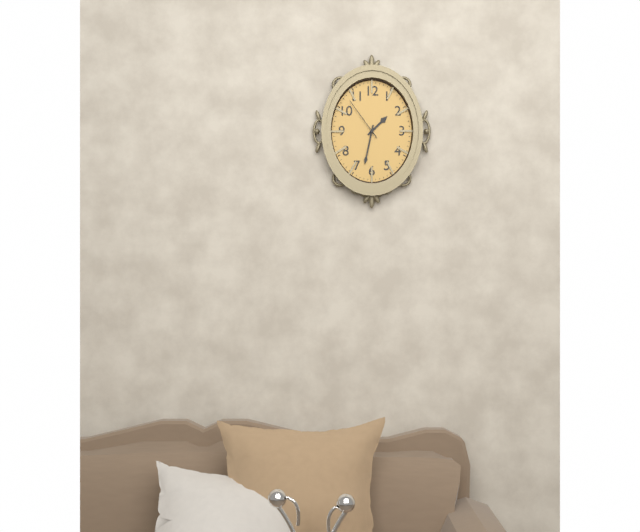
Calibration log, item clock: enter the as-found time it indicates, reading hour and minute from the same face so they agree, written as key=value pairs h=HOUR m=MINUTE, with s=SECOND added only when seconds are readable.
h=1 m=32
